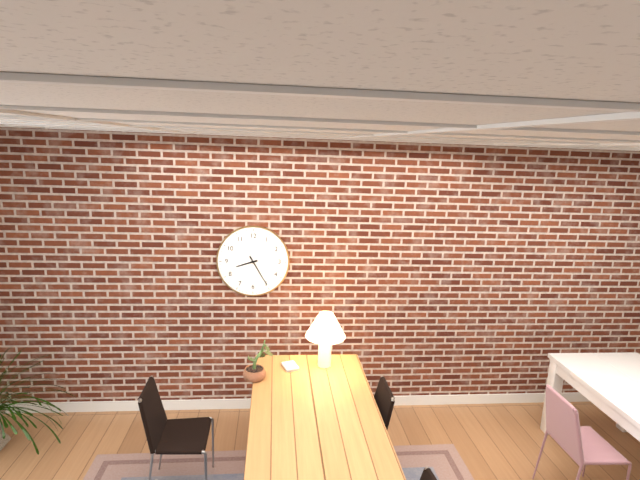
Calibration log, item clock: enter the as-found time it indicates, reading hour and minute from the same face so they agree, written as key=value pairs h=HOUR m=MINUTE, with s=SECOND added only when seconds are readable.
h=8 m=25
